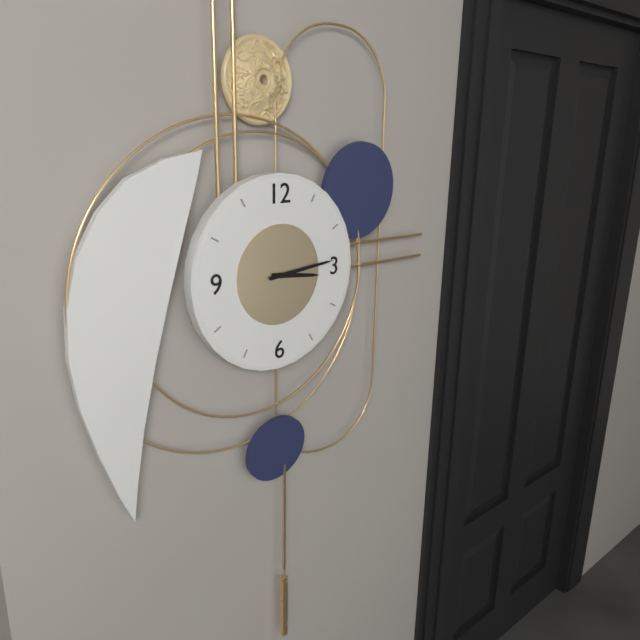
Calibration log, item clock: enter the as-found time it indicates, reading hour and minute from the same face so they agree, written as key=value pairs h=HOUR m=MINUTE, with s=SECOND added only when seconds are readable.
h=3 m=14
